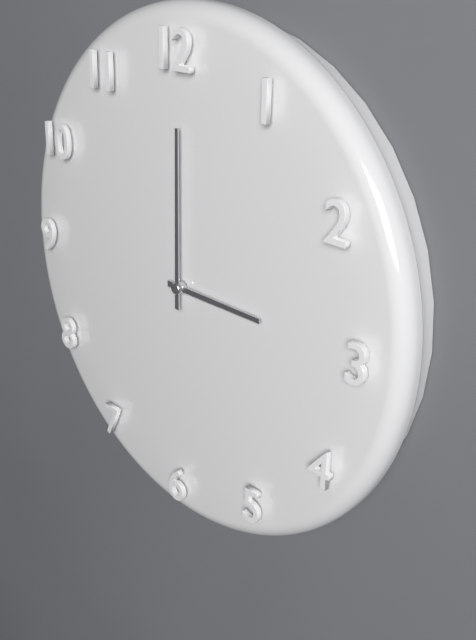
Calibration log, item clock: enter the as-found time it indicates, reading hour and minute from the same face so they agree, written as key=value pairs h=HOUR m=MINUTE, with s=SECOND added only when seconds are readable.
h=3 m=0
